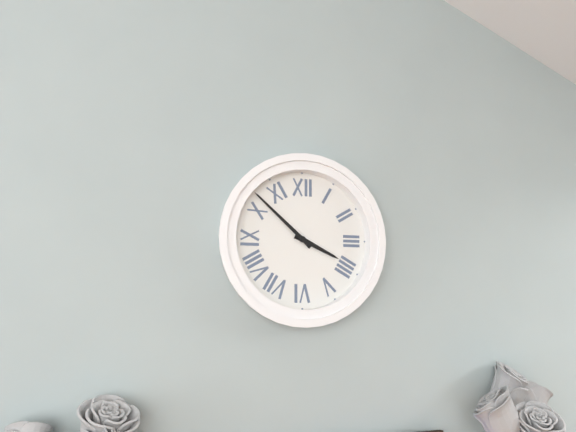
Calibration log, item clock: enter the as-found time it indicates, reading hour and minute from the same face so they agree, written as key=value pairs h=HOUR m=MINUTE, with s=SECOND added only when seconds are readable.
h=3 m=52
